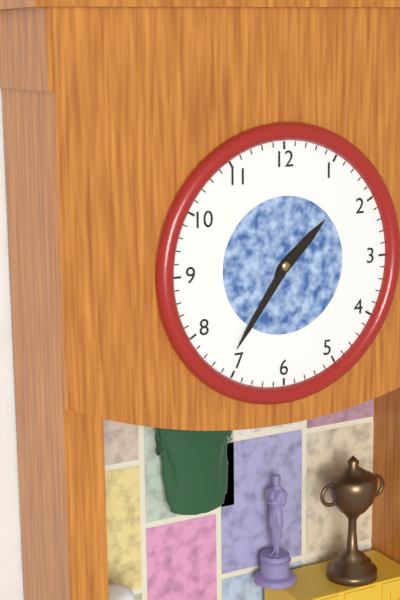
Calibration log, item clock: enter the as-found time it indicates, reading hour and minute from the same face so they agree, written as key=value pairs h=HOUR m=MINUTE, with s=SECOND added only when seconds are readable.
h=1 m=36
